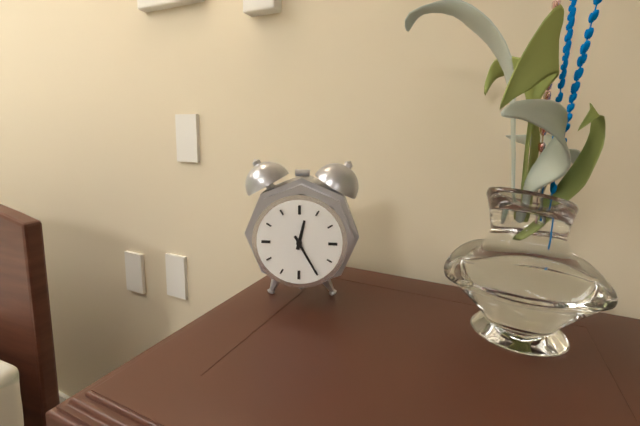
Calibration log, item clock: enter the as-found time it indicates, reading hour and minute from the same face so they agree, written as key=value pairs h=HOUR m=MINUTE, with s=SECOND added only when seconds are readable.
h=12 m=25
